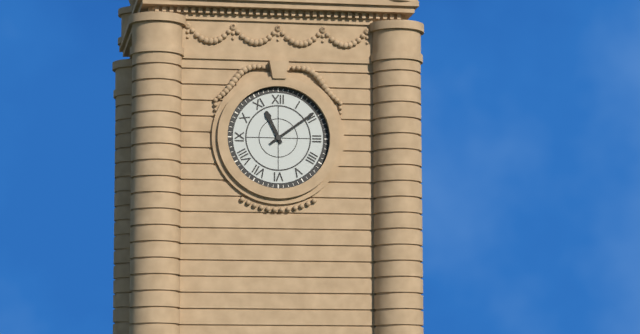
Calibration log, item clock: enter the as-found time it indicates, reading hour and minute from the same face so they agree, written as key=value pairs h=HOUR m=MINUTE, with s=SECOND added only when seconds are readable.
h=11 m=9
